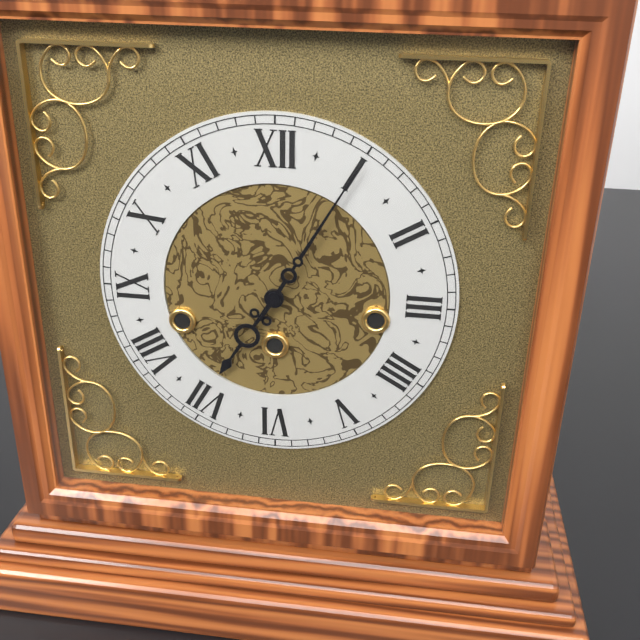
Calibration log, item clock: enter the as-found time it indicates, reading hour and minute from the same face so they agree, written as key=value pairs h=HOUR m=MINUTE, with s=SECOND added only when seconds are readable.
h=7 m=5
